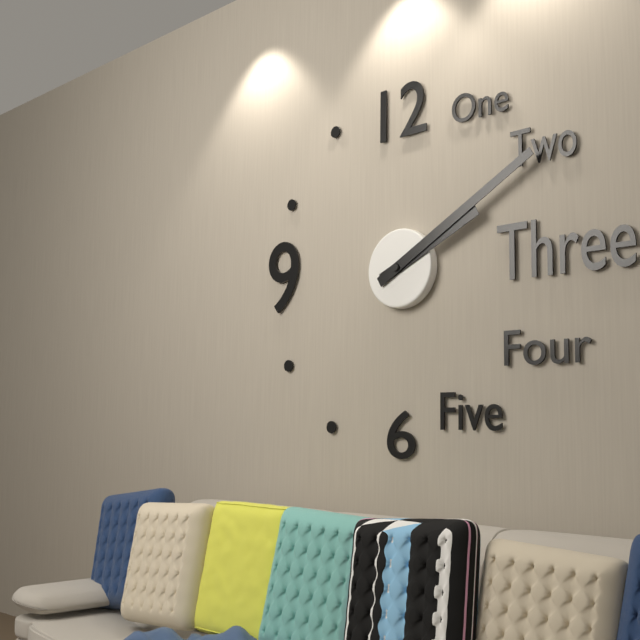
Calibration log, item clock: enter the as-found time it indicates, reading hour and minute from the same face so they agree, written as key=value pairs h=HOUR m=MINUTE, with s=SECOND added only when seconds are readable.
h=2 m=10
